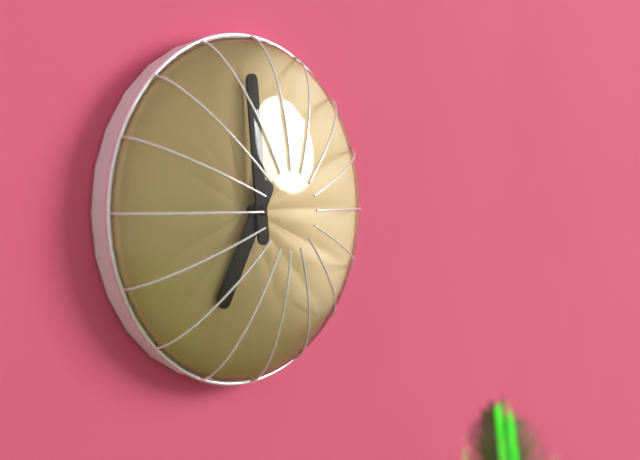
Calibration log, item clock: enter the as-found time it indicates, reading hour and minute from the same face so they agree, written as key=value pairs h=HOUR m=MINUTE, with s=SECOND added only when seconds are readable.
h=6 m=59
